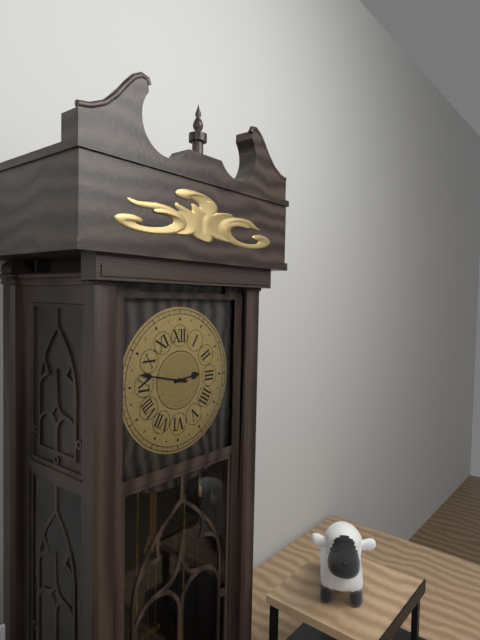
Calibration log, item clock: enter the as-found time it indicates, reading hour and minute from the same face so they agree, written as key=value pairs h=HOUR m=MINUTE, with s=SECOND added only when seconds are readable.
h=2 m=47
